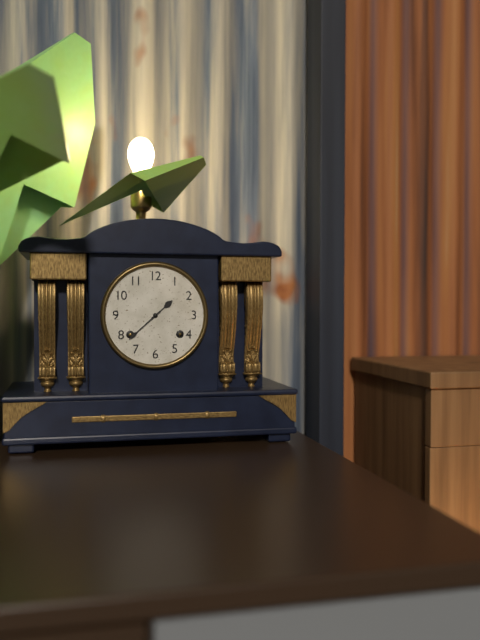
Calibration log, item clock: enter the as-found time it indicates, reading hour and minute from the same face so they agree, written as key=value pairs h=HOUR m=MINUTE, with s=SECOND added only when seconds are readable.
h=1 m=38
